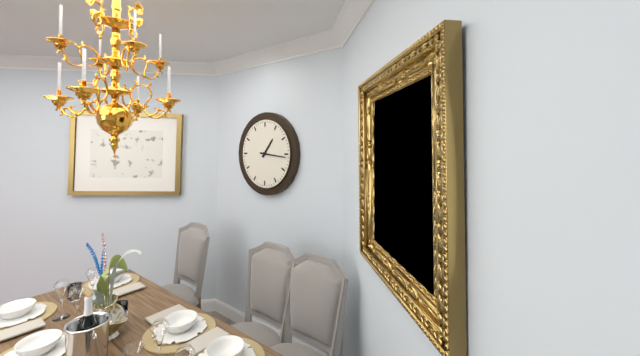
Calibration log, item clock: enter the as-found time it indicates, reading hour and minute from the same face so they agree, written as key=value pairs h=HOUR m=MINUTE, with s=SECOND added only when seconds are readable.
h=1 m=16
